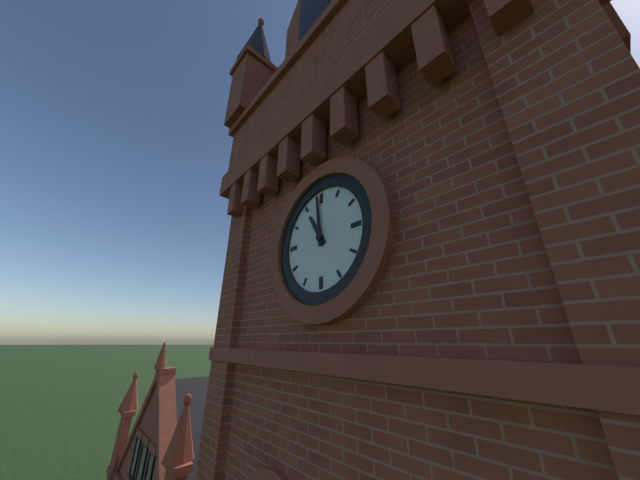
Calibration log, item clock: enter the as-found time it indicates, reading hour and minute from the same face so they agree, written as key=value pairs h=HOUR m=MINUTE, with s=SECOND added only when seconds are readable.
h=10 m=59
